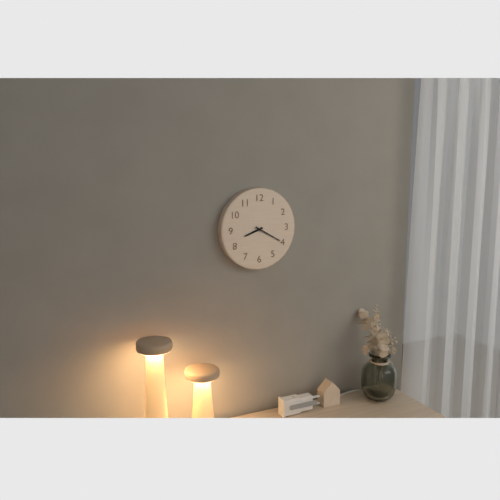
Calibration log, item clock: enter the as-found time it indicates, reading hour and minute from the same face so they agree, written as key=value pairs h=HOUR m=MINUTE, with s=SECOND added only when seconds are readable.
h=8 m=20
